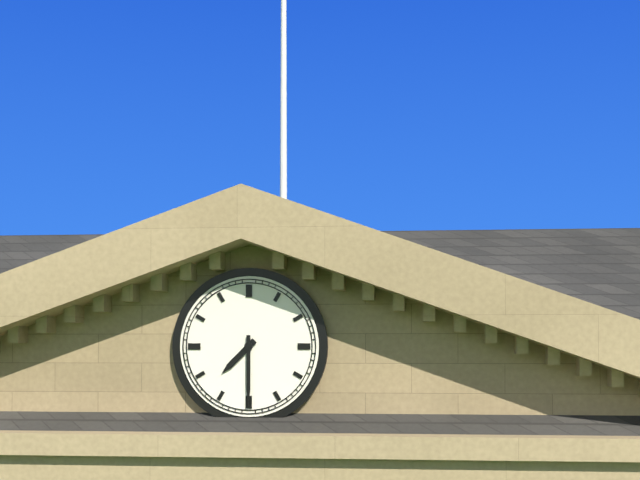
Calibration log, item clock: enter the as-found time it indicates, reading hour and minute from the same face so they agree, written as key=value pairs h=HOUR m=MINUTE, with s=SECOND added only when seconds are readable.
h=7 m=30
